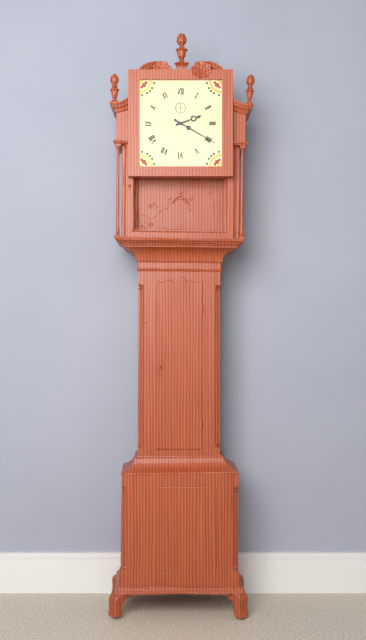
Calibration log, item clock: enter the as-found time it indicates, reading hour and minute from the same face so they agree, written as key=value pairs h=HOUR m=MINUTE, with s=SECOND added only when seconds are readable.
h=2 m=20
